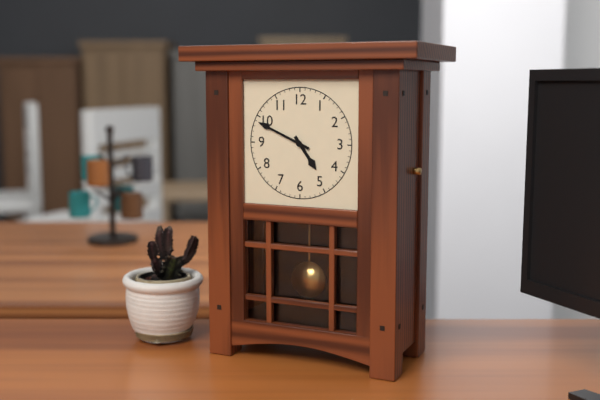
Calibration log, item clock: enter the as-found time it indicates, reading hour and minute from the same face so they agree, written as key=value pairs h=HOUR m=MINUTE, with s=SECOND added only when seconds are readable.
h=4 m=49
